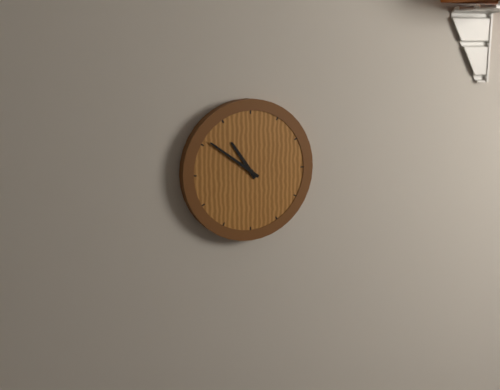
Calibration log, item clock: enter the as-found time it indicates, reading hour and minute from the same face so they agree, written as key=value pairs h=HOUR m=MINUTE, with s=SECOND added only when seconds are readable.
h=10 m=51
